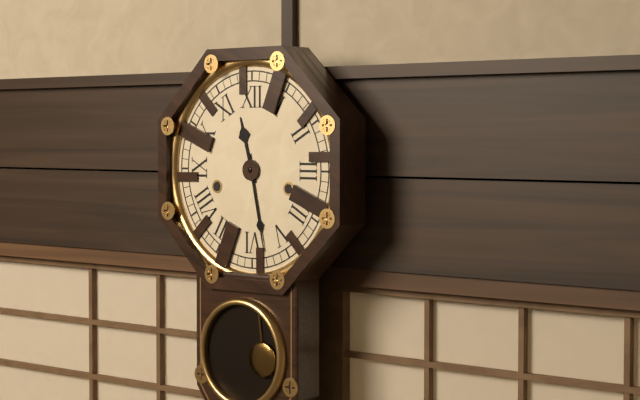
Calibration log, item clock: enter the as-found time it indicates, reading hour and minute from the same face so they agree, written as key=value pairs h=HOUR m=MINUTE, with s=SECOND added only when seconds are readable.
h=11 m=28
